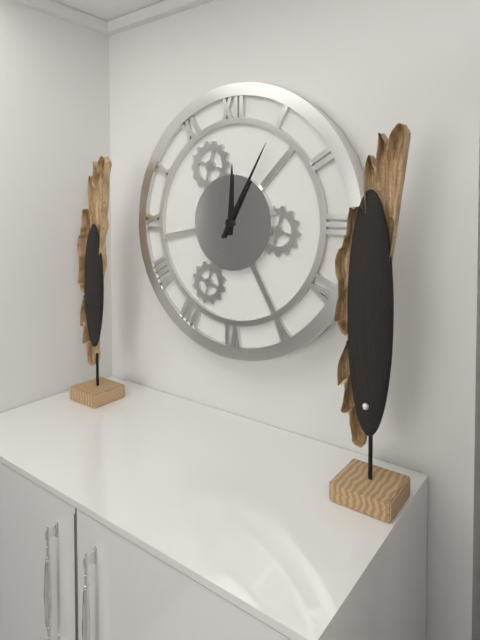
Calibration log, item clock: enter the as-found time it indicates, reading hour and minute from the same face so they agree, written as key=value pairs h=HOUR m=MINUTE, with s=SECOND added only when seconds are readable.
h=12 m=5
